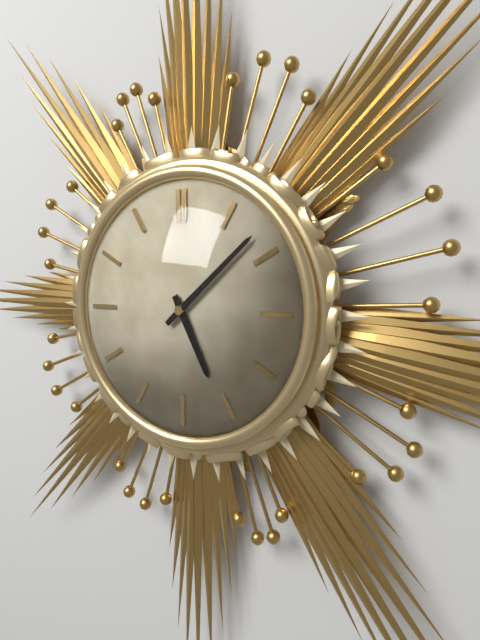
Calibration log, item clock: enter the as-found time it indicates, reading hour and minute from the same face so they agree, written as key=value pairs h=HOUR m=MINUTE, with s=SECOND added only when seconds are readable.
h=5 m=8
